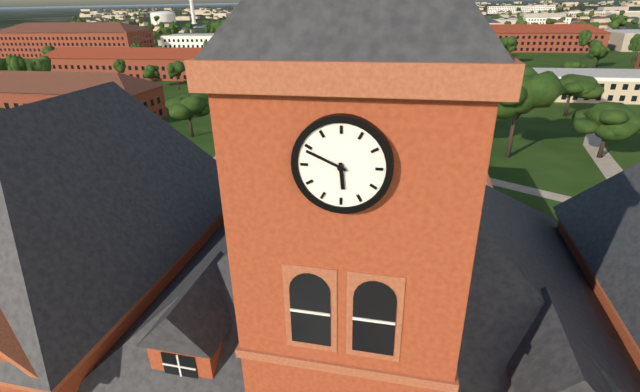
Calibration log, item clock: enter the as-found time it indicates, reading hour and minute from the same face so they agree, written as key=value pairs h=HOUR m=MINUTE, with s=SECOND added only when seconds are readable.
h=5 m=49
